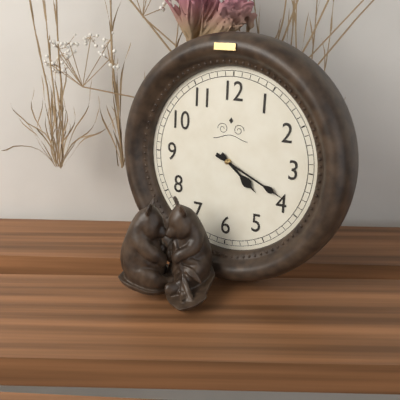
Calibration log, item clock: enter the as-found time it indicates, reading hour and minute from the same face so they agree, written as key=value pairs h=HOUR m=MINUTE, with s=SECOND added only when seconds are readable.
h=4 m=19
